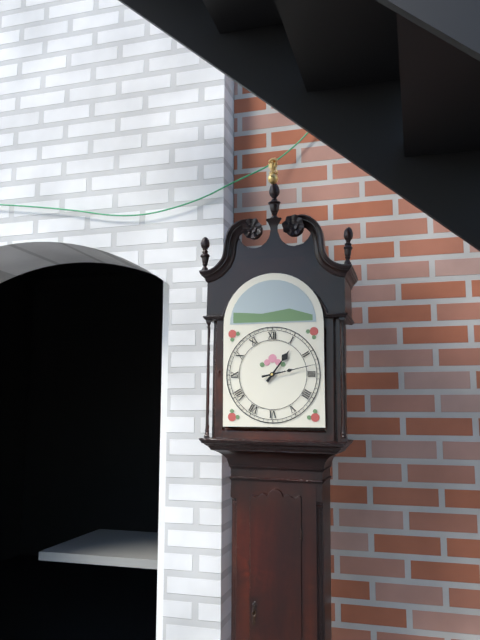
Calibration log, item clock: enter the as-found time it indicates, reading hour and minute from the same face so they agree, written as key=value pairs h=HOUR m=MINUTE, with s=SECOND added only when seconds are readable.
h=1 m=13
